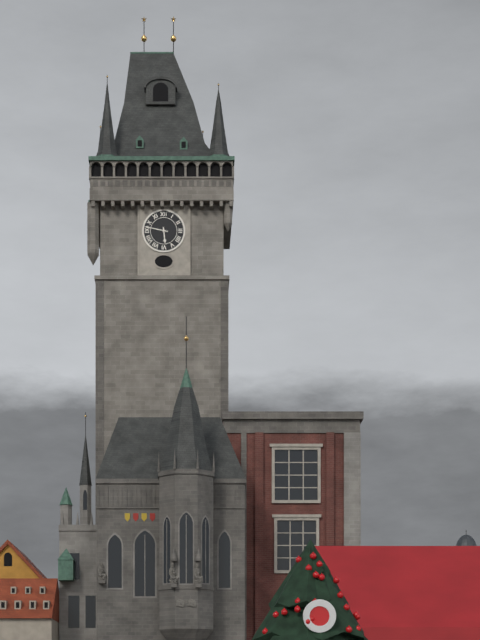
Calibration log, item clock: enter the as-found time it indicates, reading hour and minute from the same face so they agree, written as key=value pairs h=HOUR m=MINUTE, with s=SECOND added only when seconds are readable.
h=5 m=47
